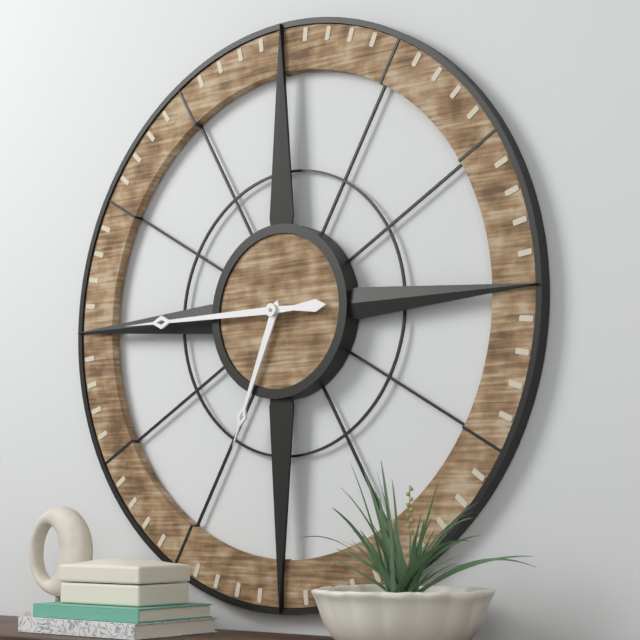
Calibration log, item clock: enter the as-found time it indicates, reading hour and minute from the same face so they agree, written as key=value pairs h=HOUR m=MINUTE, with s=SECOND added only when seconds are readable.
h=6 m=45
